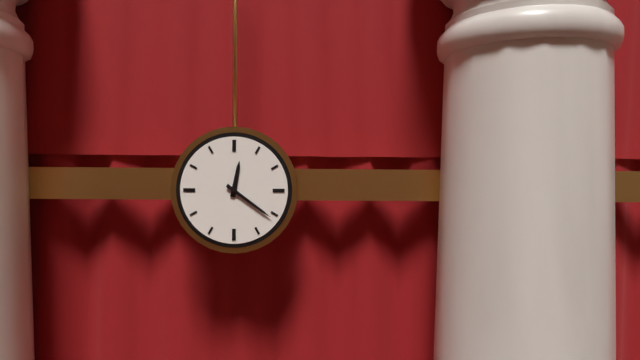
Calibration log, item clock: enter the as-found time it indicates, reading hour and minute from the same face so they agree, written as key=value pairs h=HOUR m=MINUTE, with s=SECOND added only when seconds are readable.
h=12 m=21
